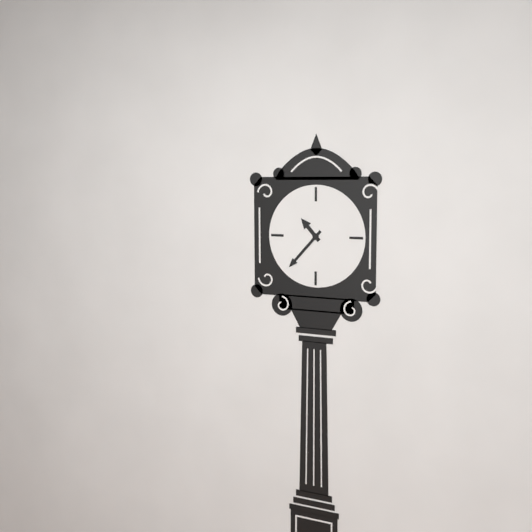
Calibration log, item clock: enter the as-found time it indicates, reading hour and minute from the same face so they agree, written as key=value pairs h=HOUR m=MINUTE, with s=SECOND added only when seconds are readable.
h=10 m=37
